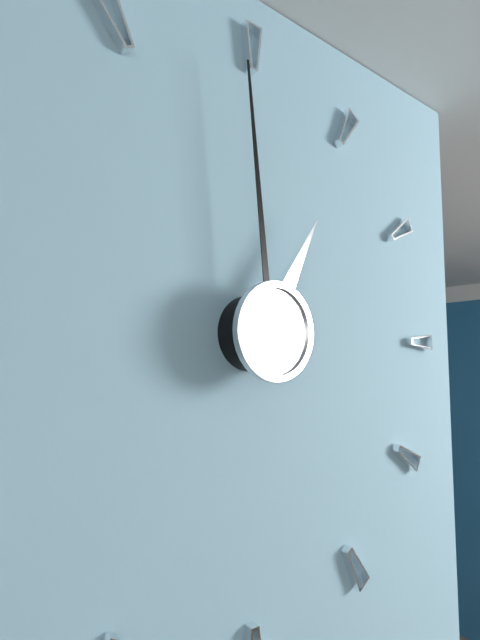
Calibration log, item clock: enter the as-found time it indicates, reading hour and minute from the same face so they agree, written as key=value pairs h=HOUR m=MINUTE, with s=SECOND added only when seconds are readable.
h=12 m=59
